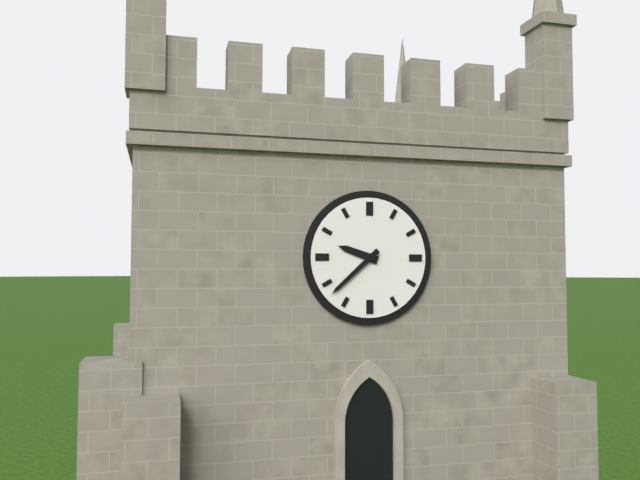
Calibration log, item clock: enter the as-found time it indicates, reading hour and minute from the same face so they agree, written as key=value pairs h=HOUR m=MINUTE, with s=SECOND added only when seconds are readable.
h=9 m=38
